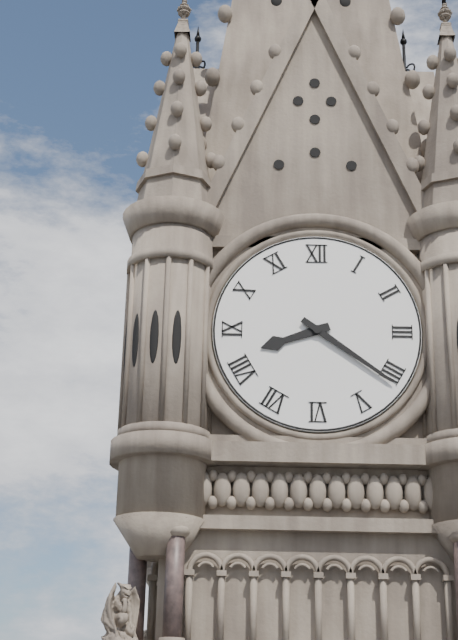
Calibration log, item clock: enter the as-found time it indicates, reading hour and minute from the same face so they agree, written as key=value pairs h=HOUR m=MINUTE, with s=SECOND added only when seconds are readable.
h=8 m=21
